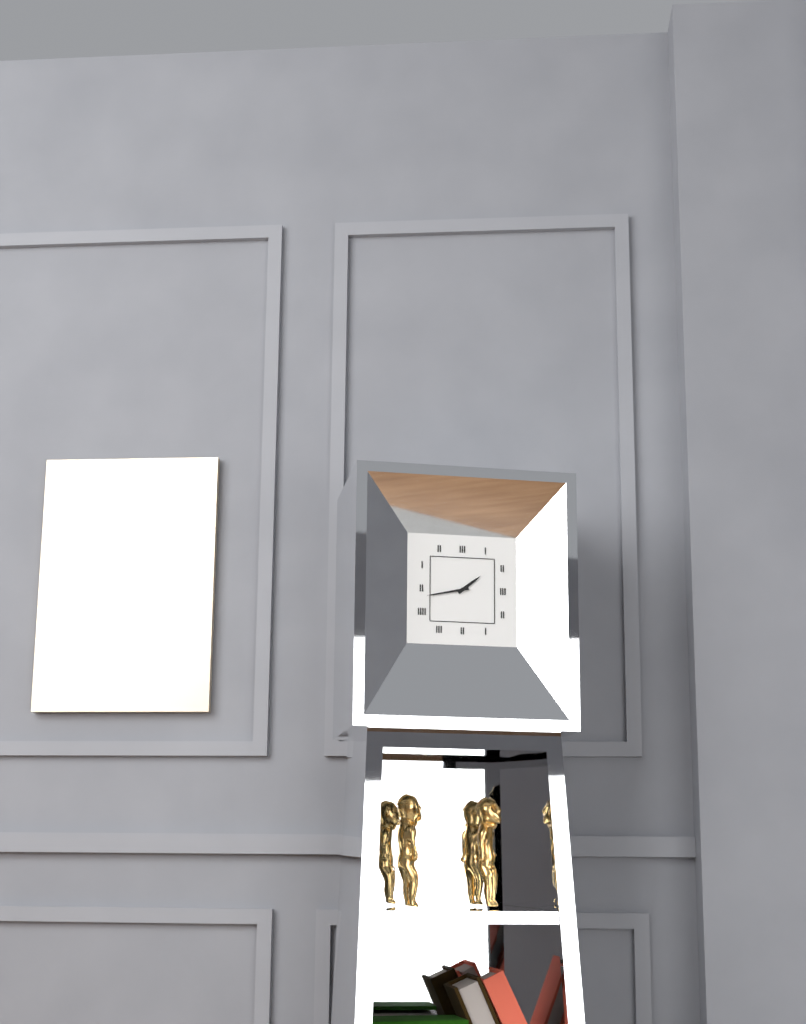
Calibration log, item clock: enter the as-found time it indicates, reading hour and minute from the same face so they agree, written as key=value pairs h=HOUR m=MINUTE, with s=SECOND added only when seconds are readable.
h=1 m=43
